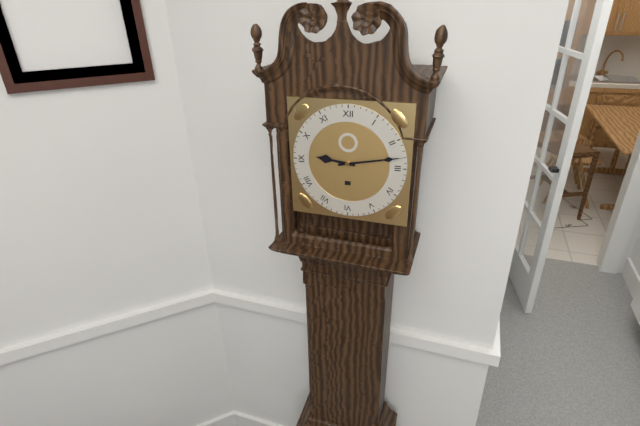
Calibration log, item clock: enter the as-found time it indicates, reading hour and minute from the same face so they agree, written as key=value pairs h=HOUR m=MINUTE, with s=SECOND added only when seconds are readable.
h=9 m=13
